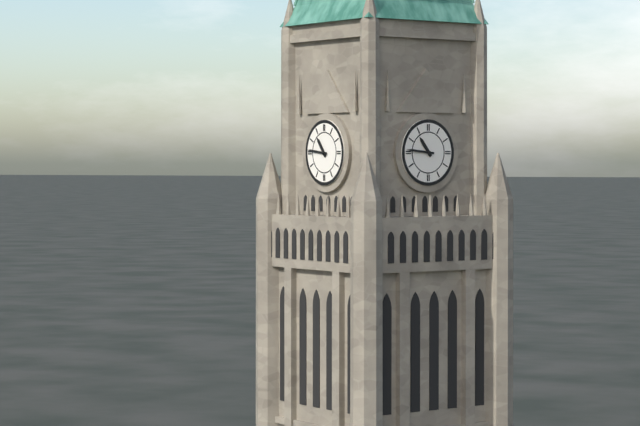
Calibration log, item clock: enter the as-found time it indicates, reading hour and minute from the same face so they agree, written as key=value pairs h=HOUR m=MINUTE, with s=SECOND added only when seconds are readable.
h=10 m=46
